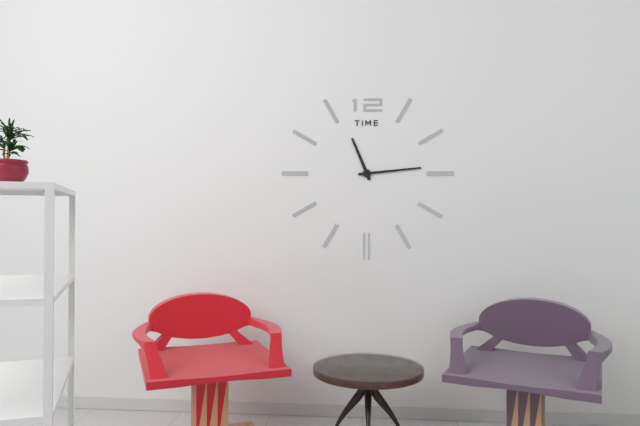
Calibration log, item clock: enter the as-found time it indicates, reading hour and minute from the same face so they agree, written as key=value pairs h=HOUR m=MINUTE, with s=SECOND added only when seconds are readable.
h=11 m=14
